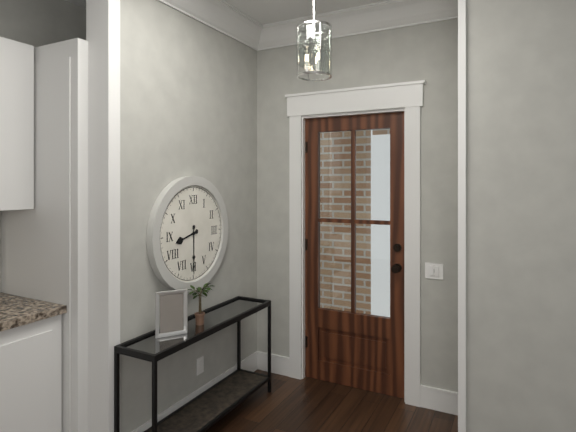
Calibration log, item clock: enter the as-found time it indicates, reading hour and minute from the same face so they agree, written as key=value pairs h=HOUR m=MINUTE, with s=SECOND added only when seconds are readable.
h=8 m=30
